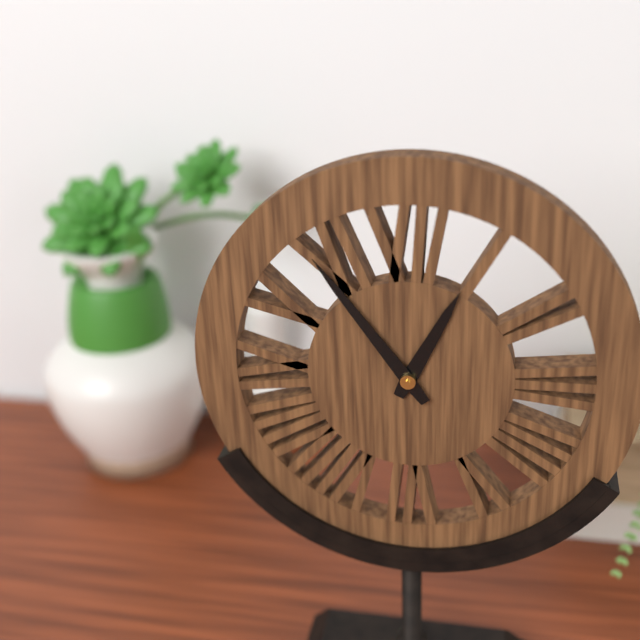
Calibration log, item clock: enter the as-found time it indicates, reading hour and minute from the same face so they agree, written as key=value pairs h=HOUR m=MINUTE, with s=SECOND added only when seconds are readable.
h=12 m=54
